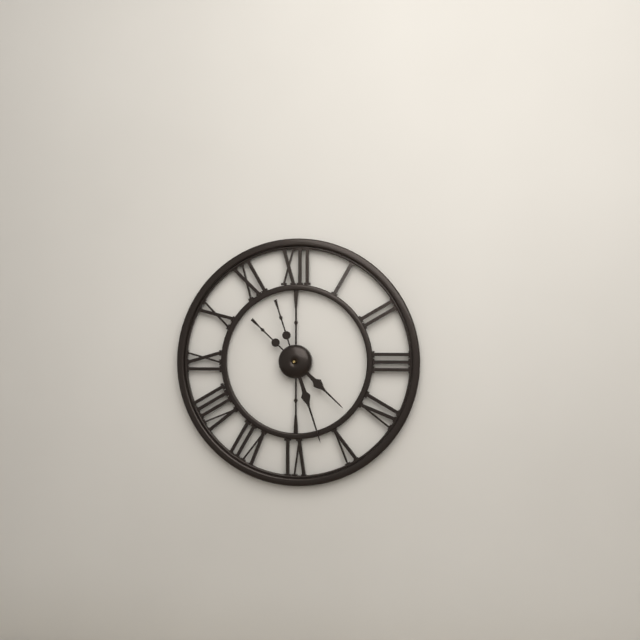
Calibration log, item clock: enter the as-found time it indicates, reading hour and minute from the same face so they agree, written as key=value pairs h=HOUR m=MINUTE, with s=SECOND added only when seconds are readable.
h=4 m=27
